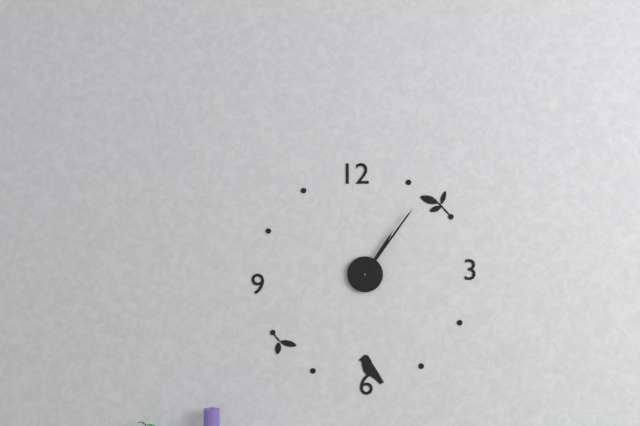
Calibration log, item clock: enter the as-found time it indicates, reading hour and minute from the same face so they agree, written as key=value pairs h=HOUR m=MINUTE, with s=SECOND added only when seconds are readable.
h=1 m=6
